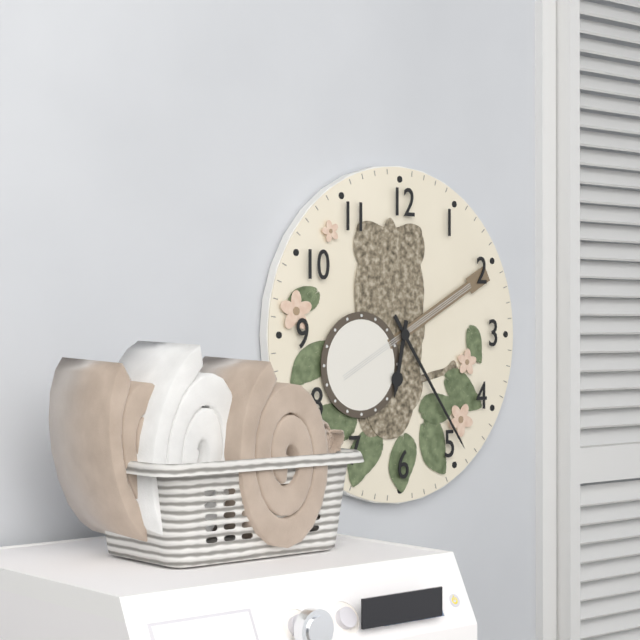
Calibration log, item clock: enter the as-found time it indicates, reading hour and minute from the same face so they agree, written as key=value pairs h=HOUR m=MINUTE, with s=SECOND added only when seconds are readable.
h=6 m=24
